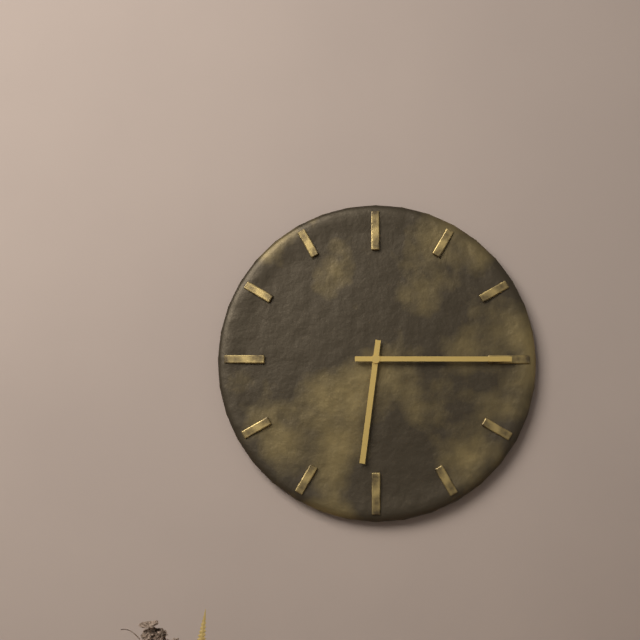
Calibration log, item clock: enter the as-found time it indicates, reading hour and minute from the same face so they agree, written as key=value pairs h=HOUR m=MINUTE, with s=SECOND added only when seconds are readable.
h=6 m=15
